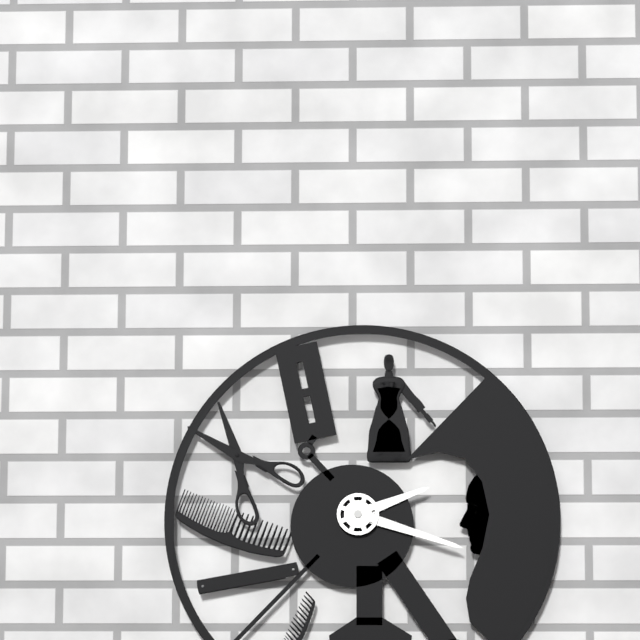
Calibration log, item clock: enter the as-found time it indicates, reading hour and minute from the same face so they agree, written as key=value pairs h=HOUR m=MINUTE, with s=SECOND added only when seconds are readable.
h=2 m=18
